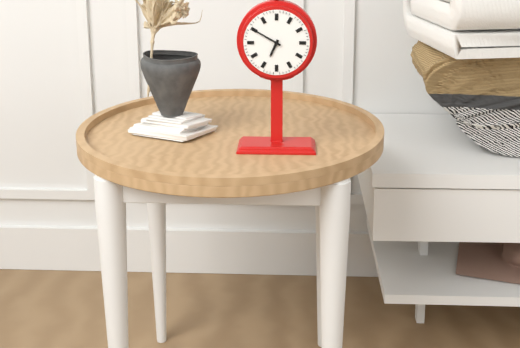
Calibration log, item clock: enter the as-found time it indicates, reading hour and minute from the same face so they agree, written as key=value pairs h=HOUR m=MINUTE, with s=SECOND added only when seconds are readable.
h=6 m=50
